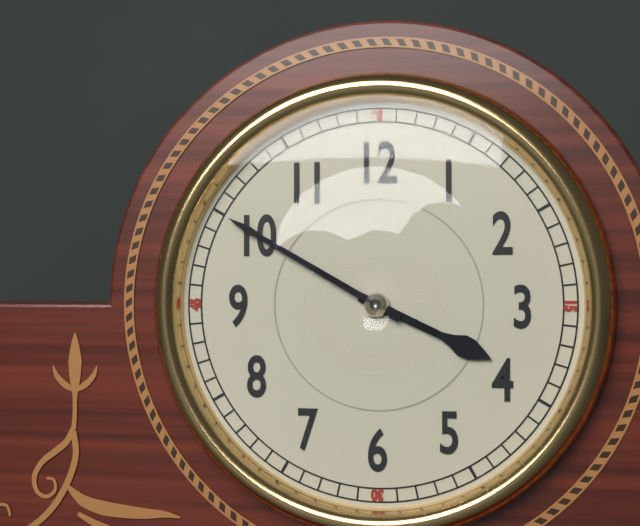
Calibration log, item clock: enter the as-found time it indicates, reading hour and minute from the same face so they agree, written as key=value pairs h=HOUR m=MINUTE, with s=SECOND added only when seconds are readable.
h=3 m=50
